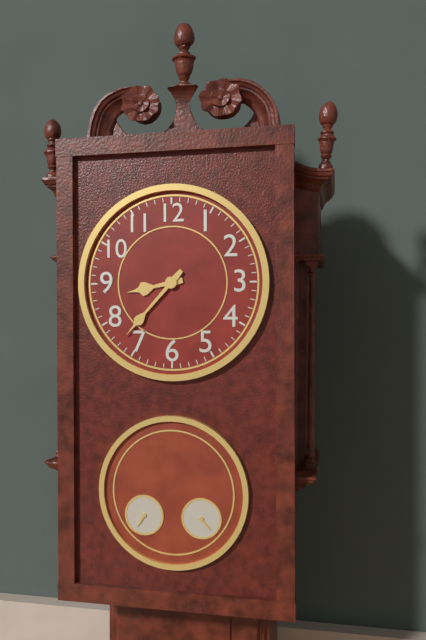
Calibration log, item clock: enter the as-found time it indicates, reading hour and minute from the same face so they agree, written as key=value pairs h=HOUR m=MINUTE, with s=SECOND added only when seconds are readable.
h=8 m=37
